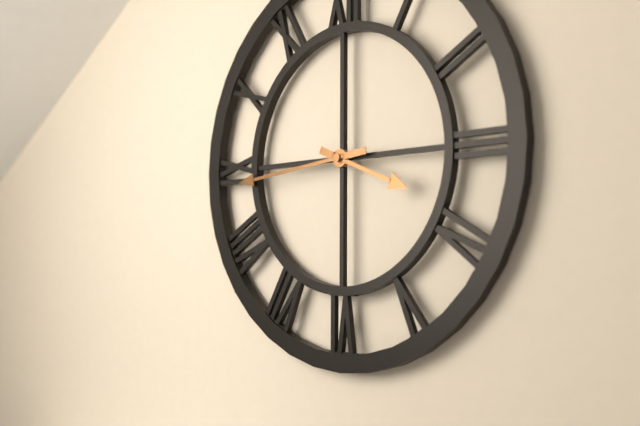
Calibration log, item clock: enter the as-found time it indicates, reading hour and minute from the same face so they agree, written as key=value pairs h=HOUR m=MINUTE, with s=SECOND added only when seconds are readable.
h=3 m=44
